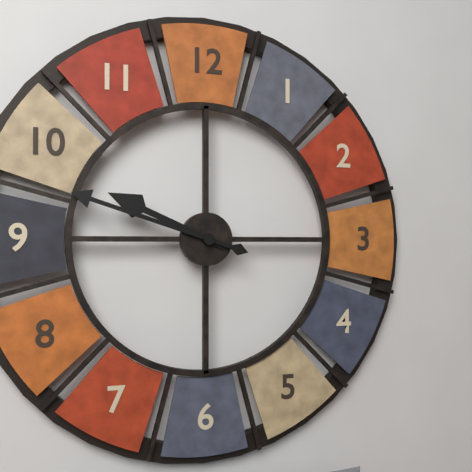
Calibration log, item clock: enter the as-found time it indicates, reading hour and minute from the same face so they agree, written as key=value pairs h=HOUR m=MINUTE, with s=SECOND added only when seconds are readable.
h=9 m=48
